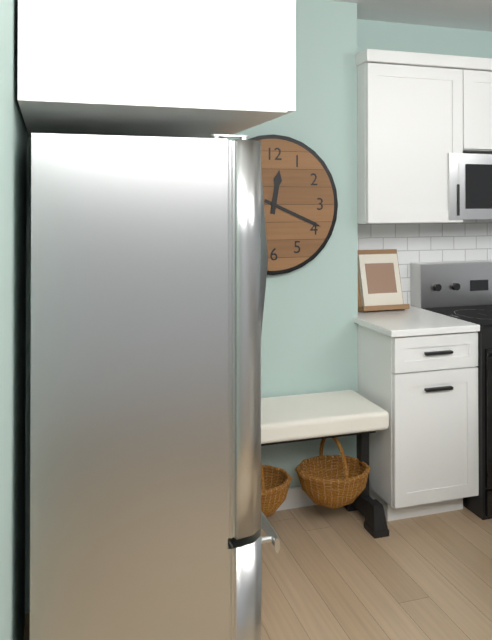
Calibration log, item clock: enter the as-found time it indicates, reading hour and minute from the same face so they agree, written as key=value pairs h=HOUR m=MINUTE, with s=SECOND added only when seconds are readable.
h=12 m=19
